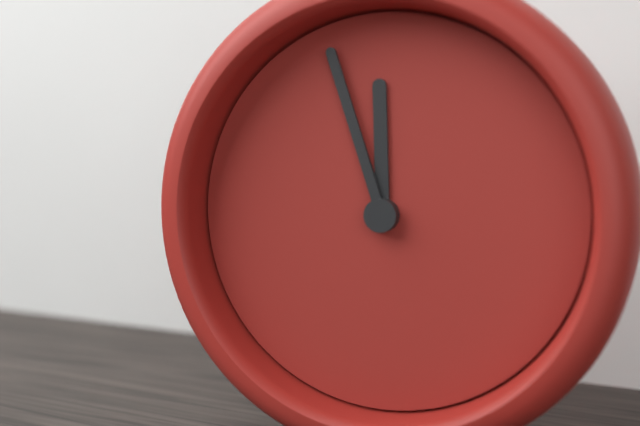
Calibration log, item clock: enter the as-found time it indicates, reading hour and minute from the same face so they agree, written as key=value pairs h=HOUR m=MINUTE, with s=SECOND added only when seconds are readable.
h=11 m=57
